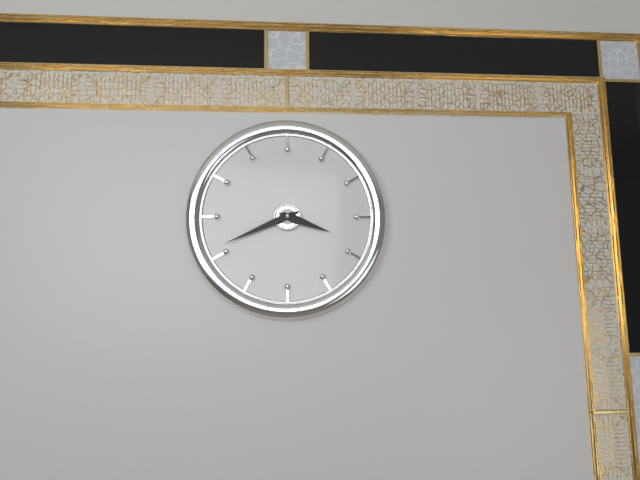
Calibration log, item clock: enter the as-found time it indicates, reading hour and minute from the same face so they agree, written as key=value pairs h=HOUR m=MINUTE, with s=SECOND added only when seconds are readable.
h=3 m=41
